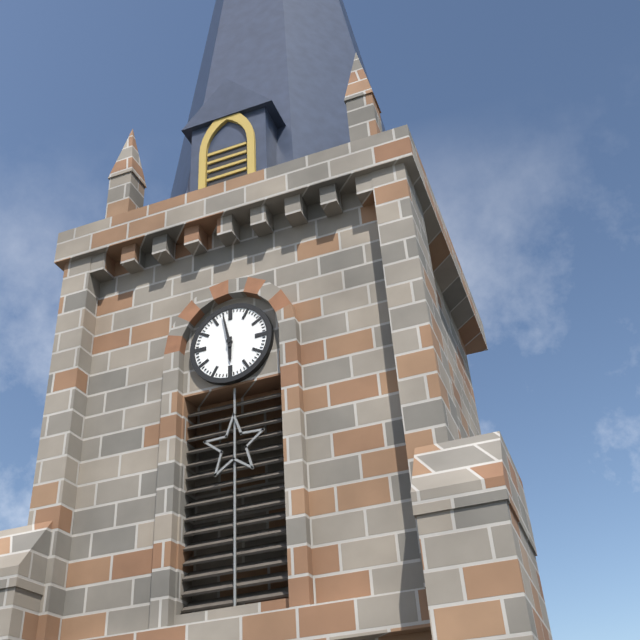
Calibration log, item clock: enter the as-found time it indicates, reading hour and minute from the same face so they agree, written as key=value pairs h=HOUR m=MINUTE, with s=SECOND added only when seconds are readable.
h=5 m=58
